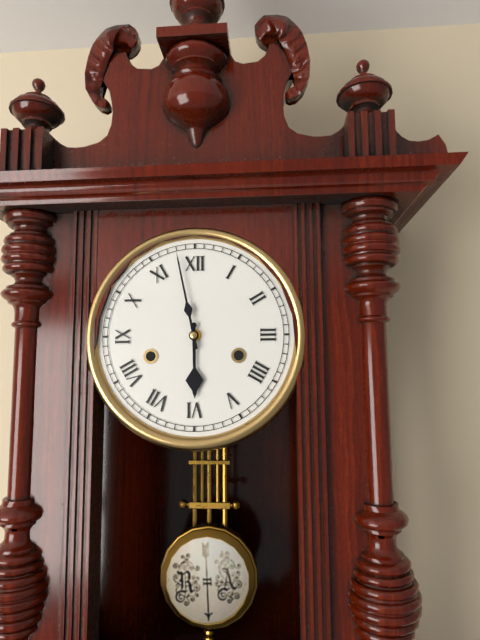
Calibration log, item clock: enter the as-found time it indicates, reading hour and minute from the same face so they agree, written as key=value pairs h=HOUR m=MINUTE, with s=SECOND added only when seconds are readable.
h=5 m=58
